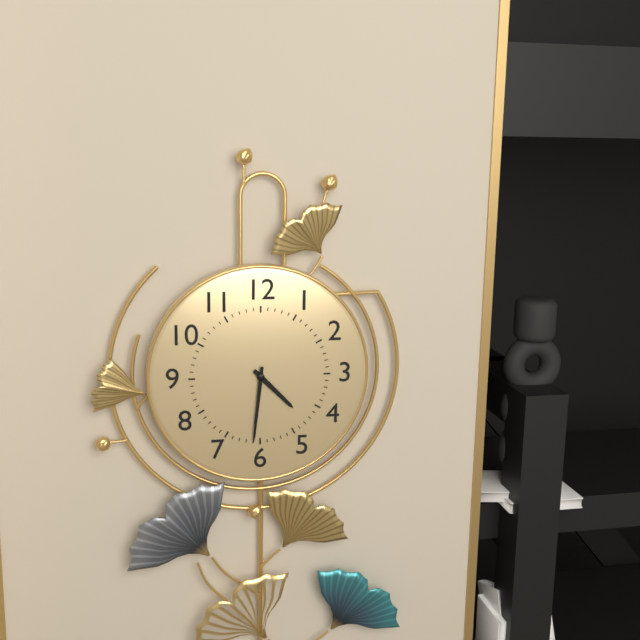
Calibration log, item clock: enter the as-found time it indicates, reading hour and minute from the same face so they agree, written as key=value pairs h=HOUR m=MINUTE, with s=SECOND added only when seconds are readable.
h=4 m=31
